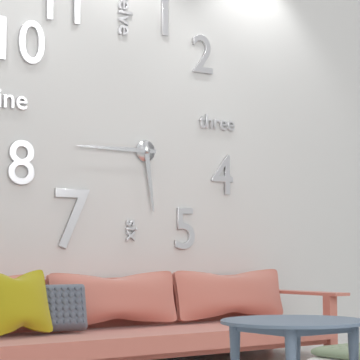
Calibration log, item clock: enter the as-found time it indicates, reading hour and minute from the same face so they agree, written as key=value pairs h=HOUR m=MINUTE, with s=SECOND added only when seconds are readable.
h=5 m=45
